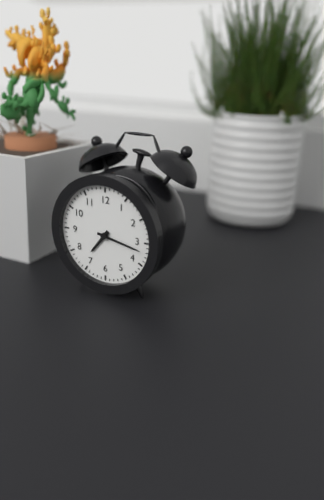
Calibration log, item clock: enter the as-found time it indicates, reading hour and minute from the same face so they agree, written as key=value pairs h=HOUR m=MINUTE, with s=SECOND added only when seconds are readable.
h=7 m=17
